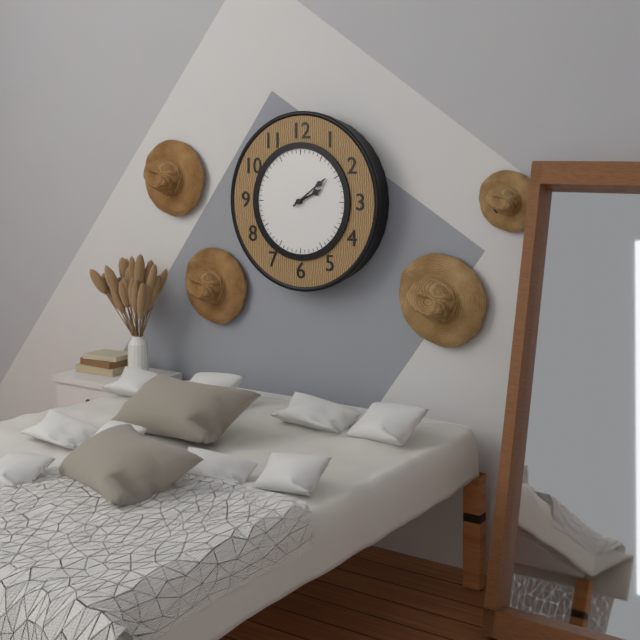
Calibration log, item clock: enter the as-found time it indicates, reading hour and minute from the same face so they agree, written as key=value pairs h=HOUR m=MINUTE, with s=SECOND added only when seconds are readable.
h=2 m=9
